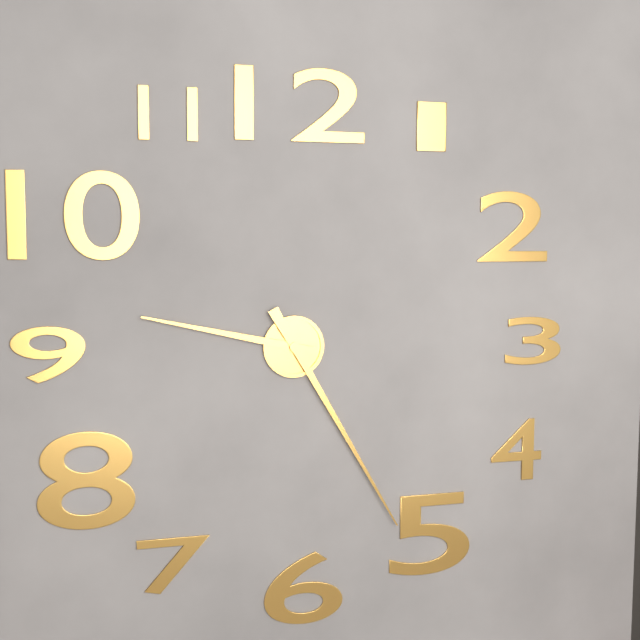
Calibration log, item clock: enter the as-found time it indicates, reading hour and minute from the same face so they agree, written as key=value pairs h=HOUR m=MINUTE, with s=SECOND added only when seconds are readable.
h=9 m=25
